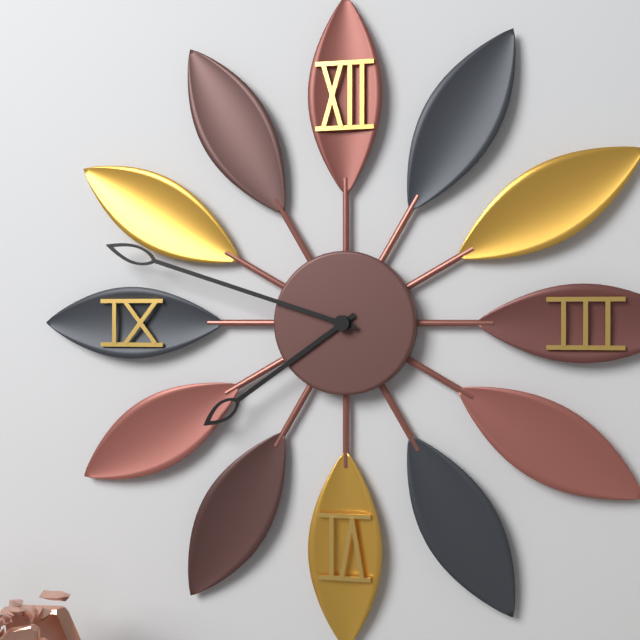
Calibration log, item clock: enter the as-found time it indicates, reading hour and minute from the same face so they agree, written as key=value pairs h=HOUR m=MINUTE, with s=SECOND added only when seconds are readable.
h=7 m=48
